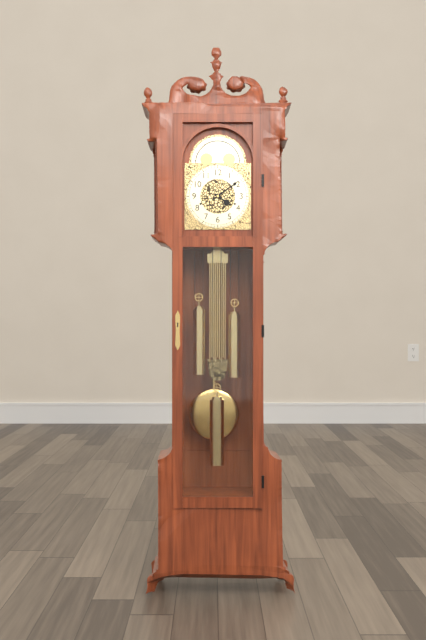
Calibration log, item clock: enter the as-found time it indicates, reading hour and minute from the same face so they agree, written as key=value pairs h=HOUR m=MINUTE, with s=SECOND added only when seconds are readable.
h=4 m=9
